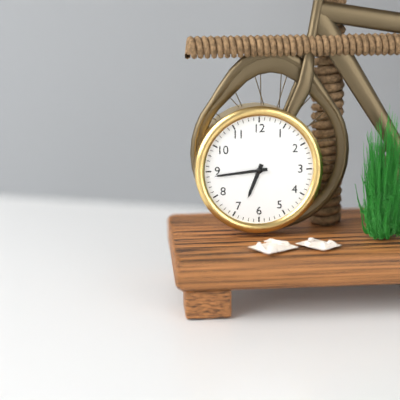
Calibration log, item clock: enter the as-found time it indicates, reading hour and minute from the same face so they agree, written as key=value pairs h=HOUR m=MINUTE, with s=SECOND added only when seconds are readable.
h=6 m=44
